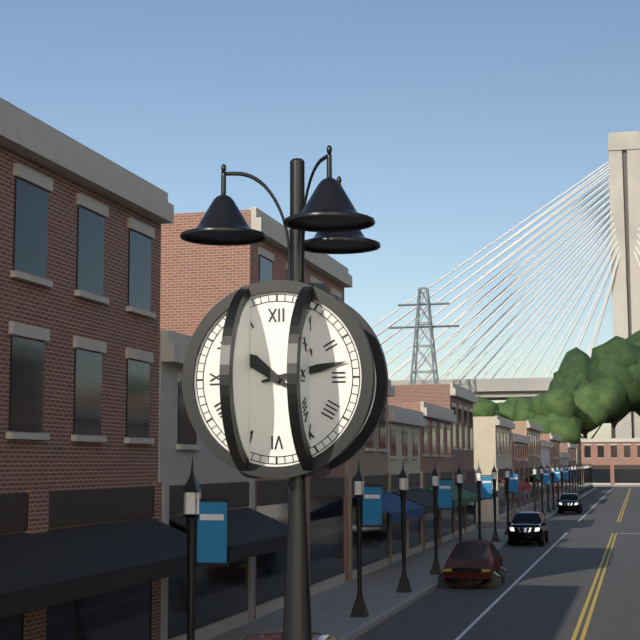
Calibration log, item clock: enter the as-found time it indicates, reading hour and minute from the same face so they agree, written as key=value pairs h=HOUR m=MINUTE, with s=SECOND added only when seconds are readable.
h=10 m=13
